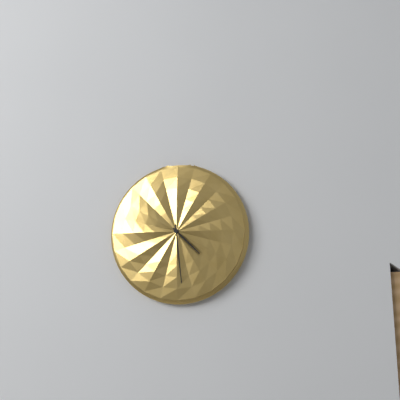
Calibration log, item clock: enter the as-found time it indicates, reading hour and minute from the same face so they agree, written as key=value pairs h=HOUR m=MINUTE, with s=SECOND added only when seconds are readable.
h=4 m=29
